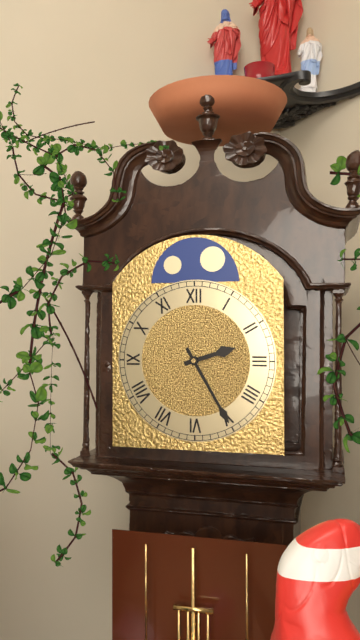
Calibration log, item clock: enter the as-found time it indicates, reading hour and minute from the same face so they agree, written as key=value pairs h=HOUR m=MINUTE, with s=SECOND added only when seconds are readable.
h=2 m=25
